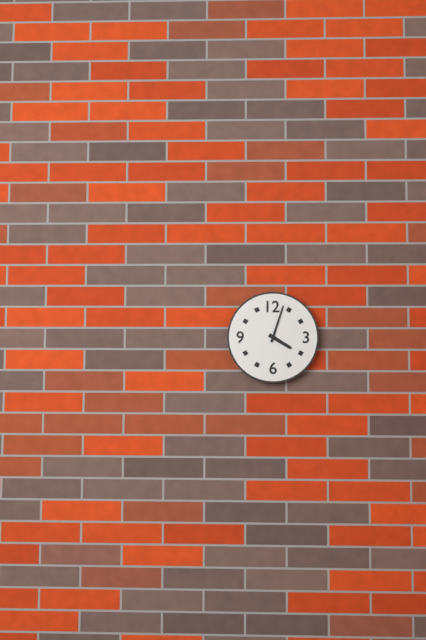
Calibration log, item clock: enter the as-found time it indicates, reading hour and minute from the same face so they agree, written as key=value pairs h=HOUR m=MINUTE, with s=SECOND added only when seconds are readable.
h=4 m=3
